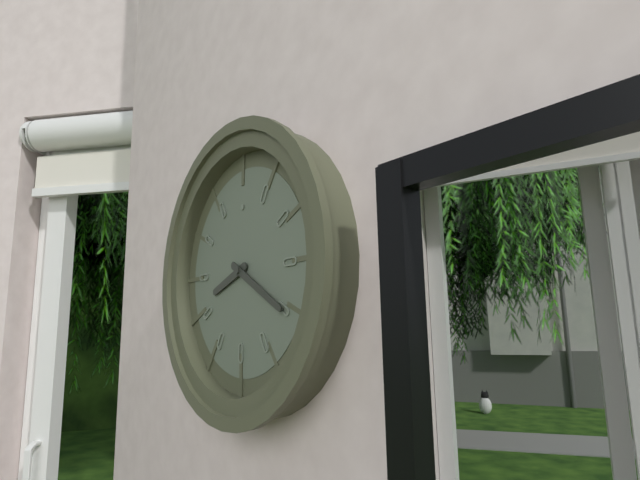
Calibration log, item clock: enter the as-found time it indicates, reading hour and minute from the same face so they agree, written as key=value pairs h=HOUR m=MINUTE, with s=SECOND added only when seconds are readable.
h=8 m=20
